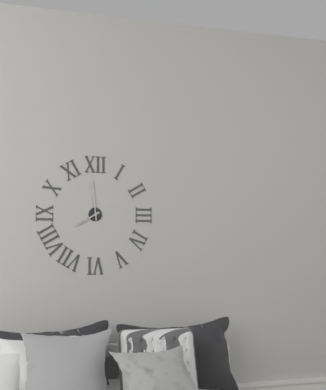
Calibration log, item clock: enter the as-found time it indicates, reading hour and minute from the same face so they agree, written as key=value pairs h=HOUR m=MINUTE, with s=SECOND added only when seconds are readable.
h=7 m=59
